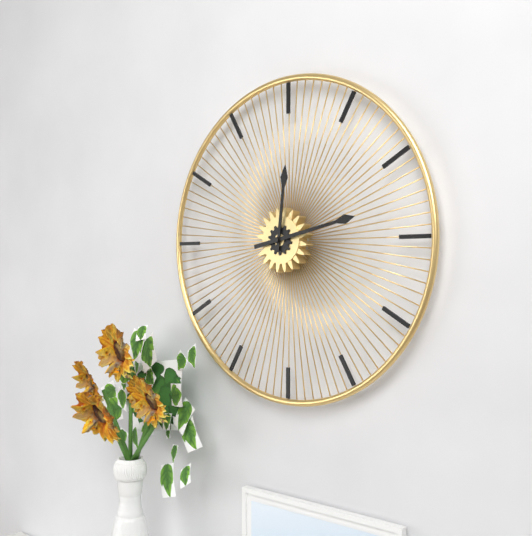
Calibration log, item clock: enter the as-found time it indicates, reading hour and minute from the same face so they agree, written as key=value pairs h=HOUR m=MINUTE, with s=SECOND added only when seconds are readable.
h=12 m=13
